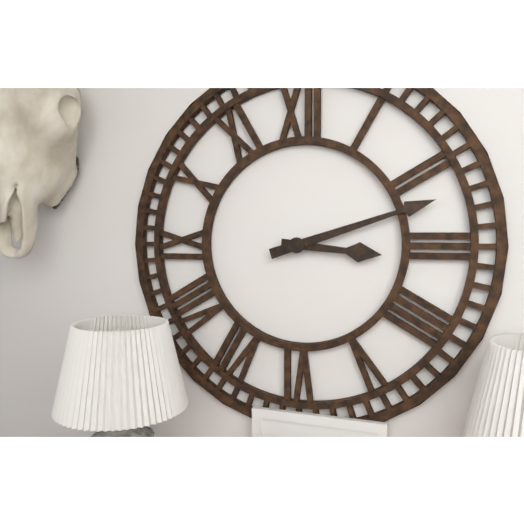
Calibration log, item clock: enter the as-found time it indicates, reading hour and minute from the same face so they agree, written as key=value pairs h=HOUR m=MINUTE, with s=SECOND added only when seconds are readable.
h=3 m=12
